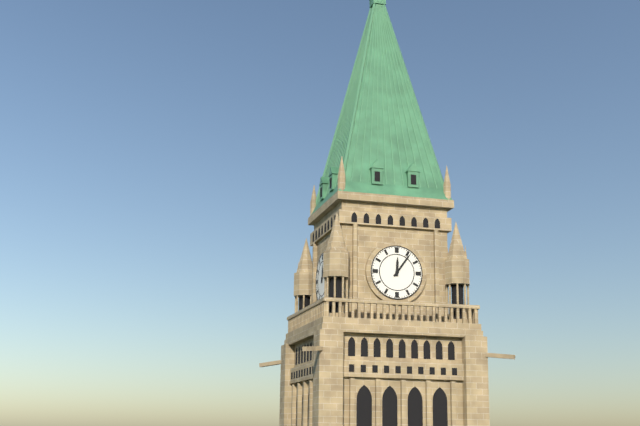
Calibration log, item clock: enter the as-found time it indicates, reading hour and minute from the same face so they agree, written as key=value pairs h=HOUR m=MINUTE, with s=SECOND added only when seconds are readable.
h=12 m=6
